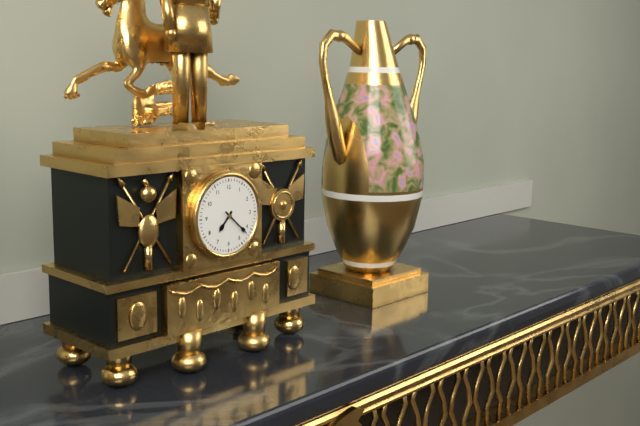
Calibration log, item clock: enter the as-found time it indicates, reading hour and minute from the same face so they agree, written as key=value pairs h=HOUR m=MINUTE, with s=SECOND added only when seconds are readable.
h=7 m=22
